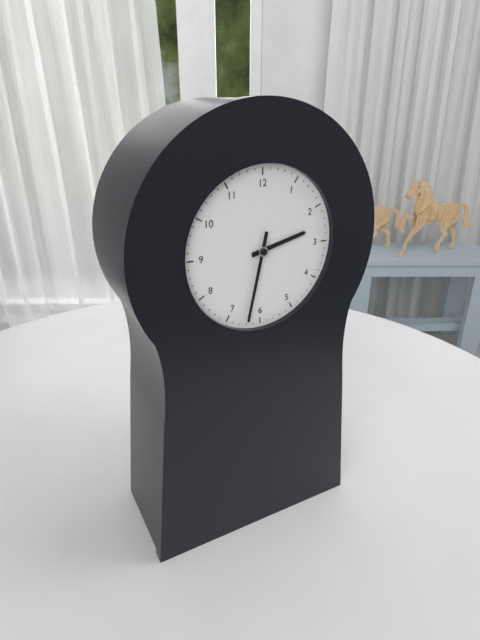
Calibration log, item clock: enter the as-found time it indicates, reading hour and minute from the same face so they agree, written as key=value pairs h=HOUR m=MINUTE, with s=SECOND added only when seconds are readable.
h=2 m=32
